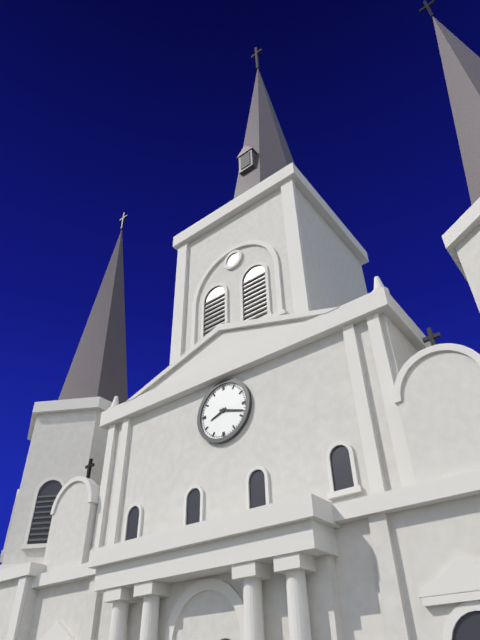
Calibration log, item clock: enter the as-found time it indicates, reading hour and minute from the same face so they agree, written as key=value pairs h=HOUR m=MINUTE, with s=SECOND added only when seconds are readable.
h=8 m=18
